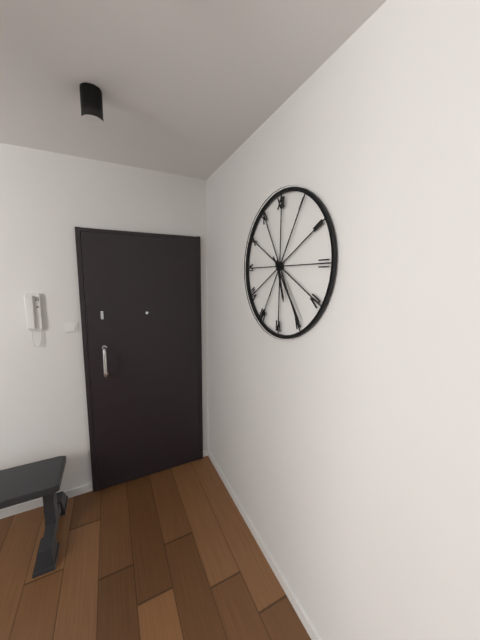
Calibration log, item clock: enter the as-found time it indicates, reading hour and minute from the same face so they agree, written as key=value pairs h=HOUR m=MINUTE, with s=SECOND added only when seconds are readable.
h=5 m=24
